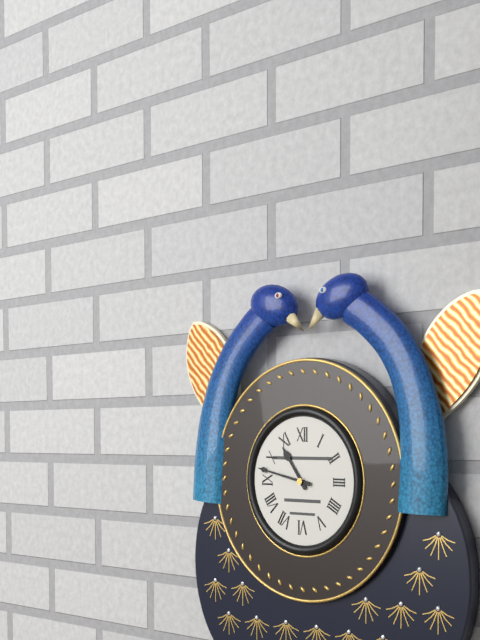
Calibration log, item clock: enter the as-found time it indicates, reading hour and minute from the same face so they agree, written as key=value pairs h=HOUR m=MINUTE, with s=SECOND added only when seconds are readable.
h=10 m=47
